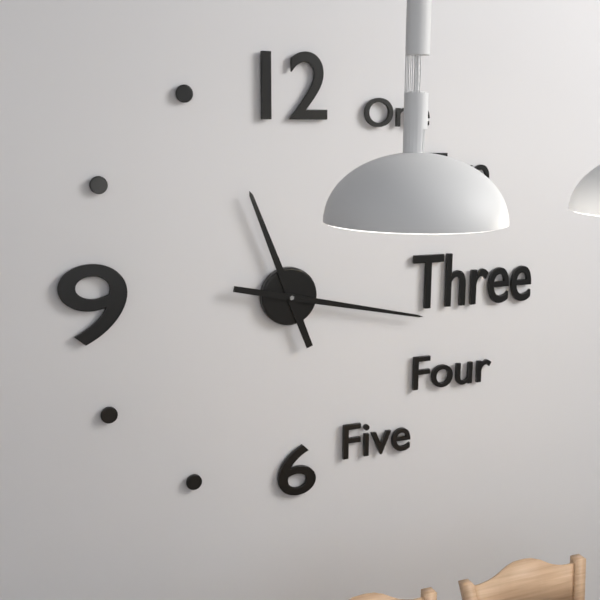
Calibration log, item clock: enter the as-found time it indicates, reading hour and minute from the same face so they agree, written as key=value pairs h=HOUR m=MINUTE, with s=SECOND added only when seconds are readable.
h=11 m=17
